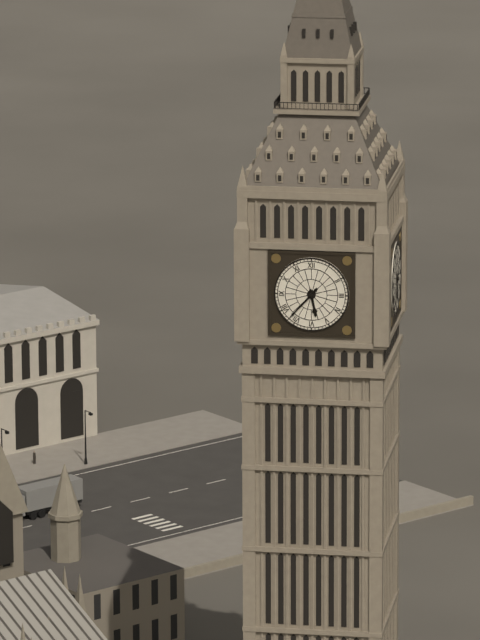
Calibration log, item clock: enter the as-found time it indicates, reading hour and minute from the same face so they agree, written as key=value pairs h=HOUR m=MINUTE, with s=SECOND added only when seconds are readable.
h=5 m=37
